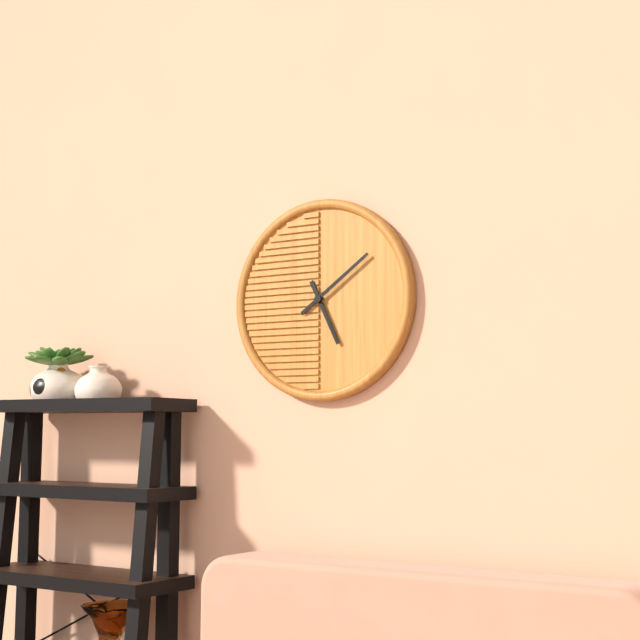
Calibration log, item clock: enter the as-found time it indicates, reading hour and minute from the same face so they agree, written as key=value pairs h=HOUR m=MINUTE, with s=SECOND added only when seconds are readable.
h=5 m=9
